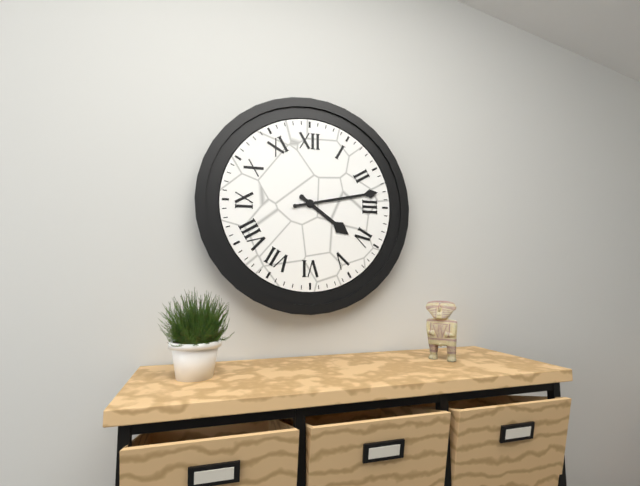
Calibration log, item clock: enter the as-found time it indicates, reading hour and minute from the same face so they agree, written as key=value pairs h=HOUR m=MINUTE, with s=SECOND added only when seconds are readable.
h=4 m=13
